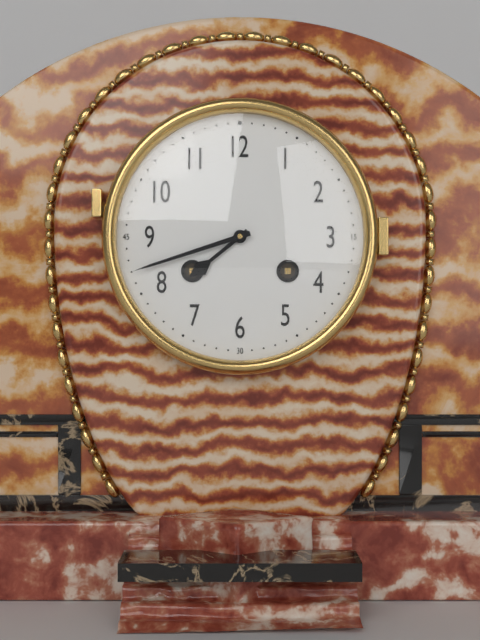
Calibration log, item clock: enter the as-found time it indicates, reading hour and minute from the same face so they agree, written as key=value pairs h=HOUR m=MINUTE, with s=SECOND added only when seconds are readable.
h=7 m=42
